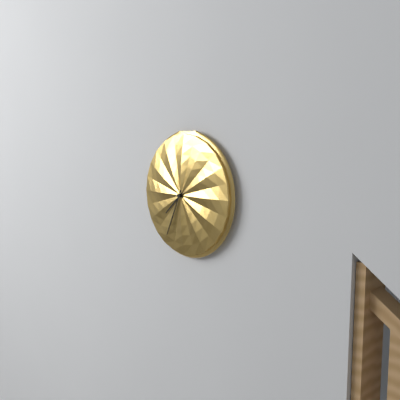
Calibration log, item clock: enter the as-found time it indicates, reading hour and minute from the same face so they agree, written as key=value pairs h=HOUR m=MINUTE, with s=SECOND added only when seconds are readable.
h=7 m=34
